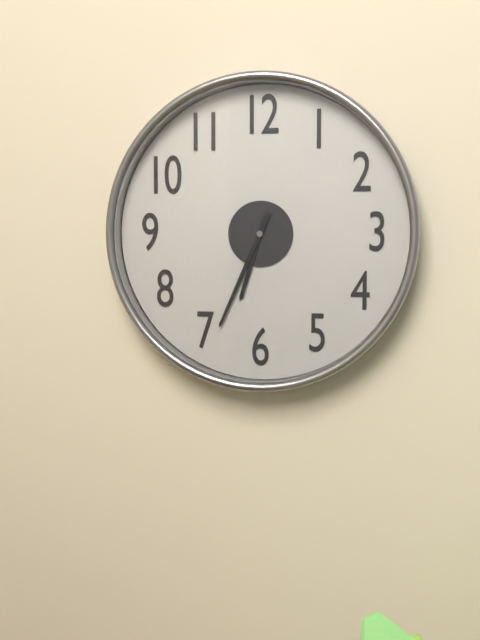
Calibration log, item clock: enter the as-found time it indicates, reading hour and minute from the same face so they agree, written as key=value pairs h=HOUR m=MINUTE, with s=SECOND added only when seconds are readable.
h=6 m=34
